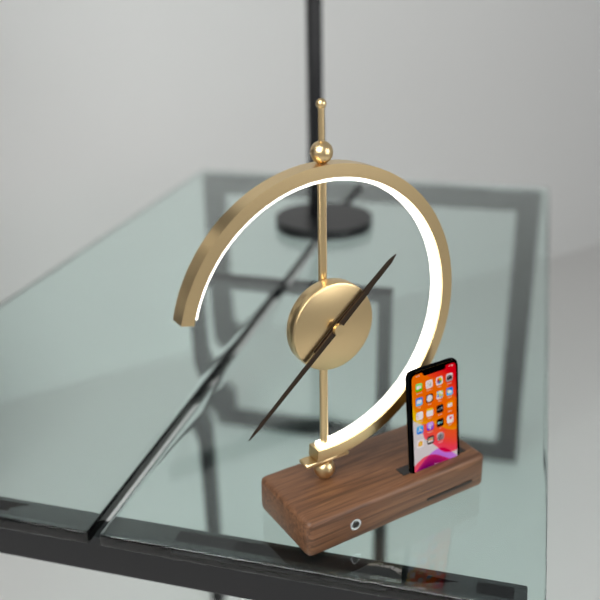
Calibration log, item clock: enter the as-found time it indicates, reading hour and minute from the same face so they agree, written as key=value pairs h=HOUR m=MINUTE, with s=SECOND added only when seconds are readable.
h=1 m=38
